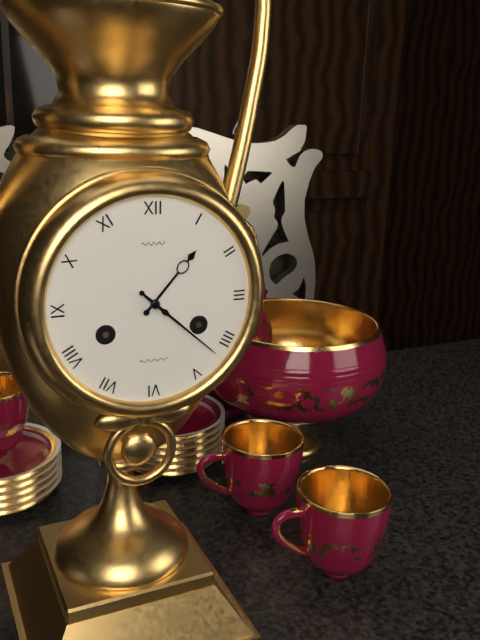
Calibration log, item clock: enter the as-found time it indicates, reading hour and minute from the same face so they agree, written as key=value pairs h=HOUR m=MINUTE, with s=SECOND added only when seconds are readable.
h=1 m=22
